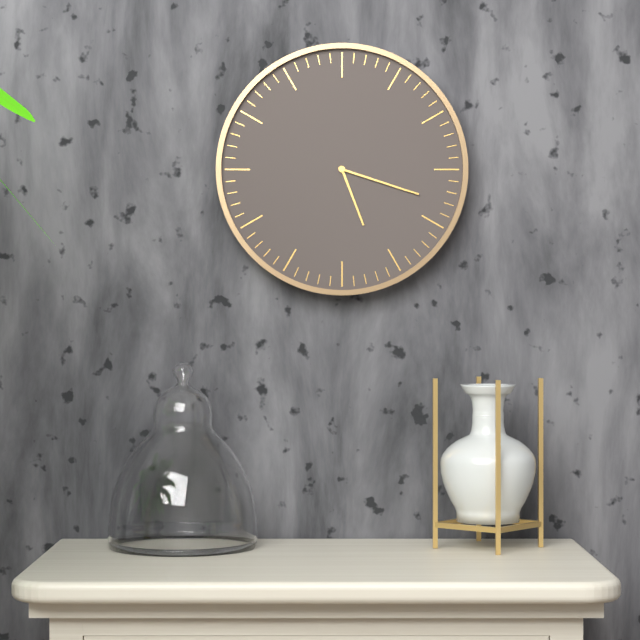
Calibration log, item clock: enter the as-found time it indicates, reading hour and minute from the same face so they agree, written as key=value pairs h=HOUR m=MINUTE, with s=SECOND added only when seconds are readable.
h=5 m=18
